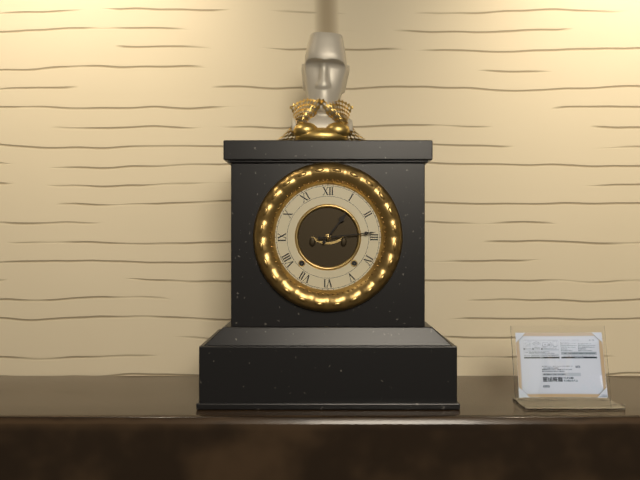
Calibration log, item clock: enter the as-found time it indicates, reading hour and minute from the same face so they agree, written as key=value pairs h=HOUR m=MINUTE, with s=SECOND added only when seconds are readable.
h=1 m=14
